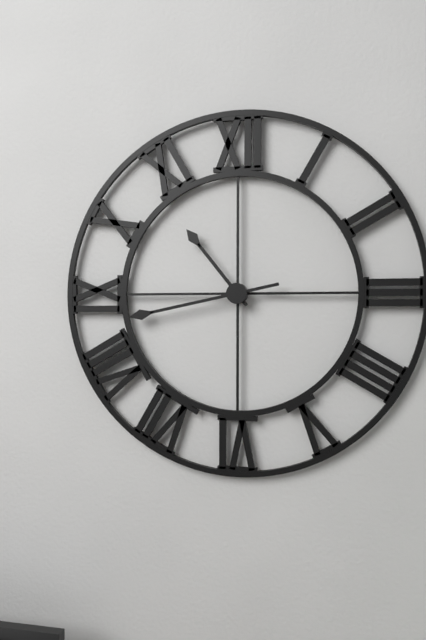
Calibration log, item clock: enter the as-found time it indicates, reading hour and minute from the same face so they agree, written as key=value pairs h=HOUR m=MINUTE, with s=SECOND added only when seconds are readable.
h=10 m=43
